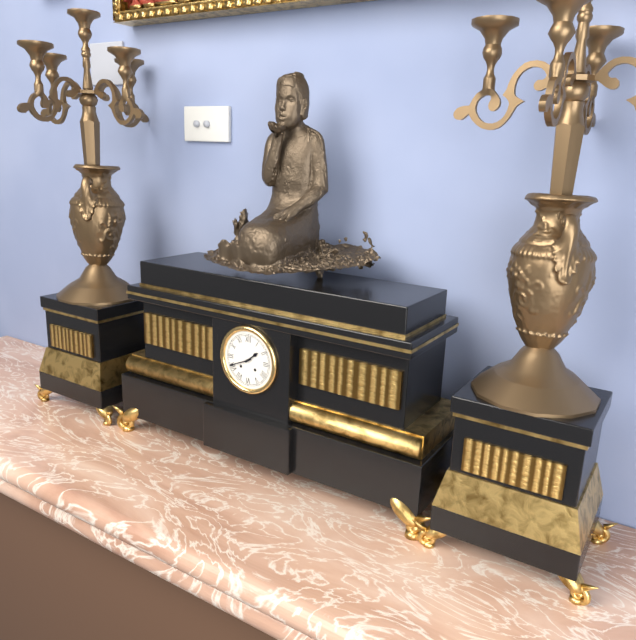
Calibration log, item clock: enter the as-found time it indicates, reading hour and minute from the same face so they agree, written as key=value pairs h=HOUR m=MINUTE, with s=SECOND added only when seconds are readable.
h=1 m=41
